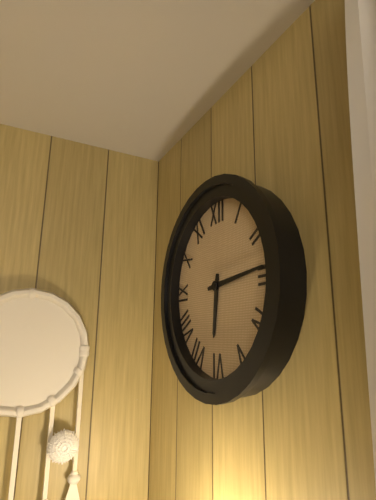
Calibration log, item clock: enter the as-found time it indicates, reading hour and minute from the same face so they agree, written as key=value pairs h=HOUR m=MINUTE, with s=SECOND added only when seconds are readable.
h=6 m=14
